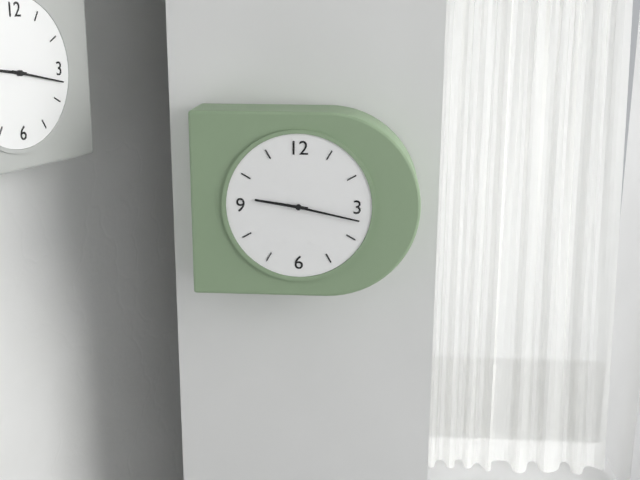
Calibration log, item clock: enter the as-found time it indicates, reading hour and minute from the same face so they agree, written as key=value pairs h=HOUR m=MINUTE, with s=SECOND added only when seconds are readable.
h=9 m=17
